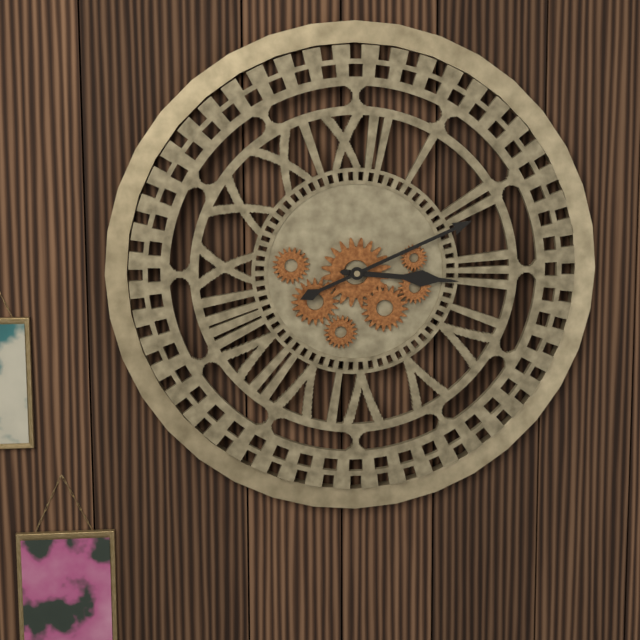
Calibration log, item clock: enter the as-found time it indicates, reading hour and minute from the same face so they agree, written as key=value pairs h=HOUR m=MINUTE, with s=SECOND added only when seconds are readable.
h=3 m=11
